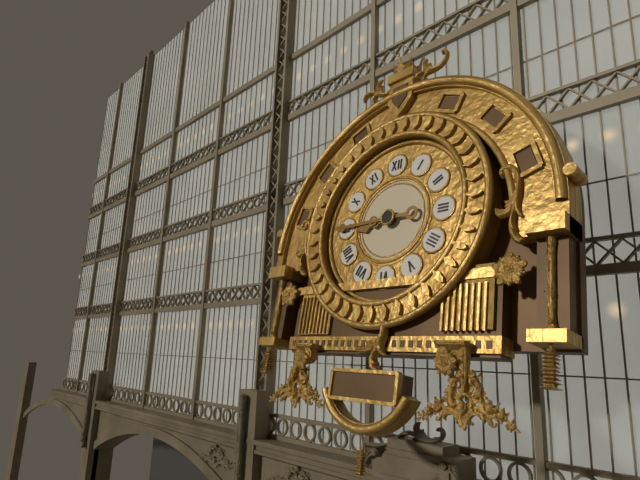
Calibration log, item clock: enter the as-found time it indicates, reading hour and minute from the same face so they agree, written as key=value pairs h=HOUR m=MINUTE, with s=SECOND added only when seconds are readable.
h=8 m=45
